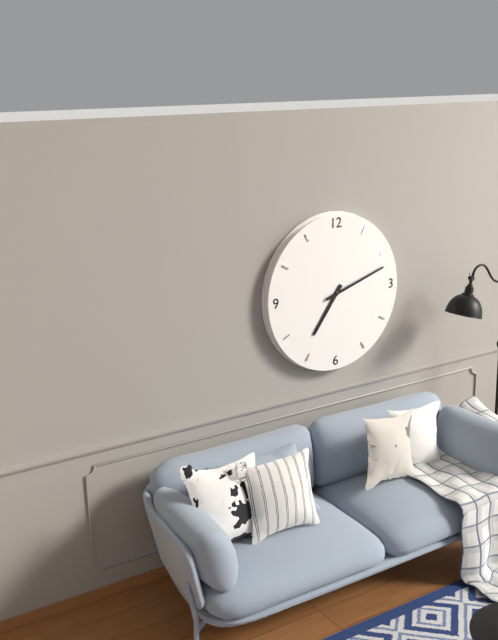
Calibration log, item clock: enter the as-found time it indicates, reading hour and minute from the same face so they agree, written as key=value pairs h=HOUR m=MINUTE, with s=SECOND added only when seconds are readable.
h=7 m=12
